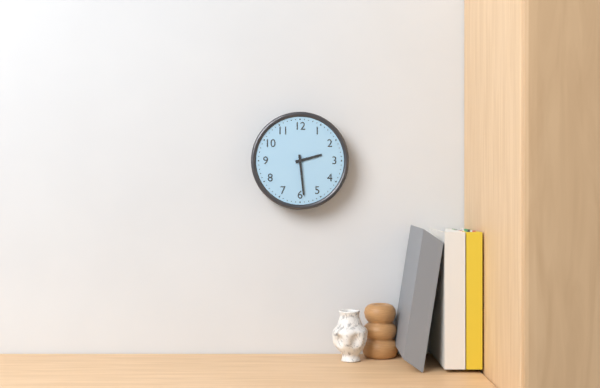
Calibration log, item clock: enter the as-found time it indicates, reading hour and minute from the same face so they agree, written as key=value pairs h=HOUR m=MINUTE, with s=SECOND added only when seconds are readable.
h=2 m=29
